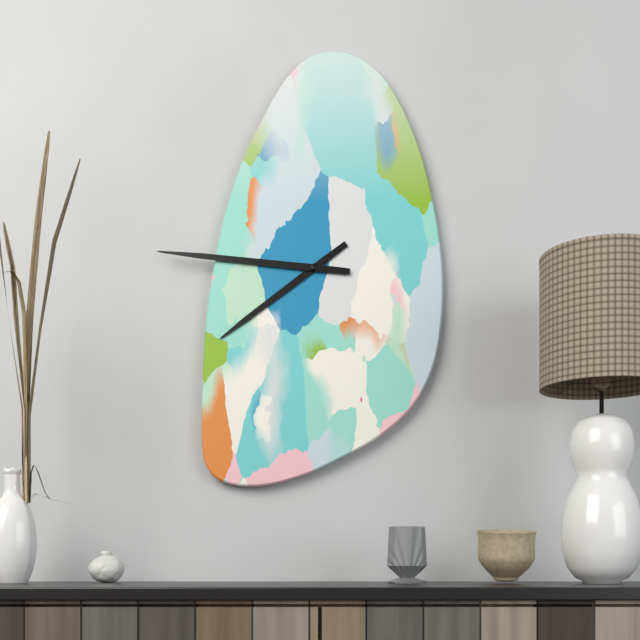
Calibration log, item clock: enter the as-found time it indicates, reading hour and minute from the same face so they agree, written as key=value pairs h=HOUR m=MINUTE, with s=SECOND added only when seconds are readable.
h=7 m=46
